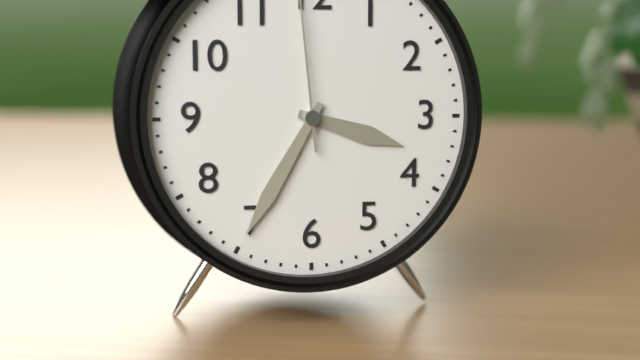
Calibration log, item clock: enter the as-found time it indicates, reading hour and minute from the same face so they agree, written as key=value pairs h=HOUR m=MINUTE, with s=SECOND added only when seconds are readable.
h=3 m=35
